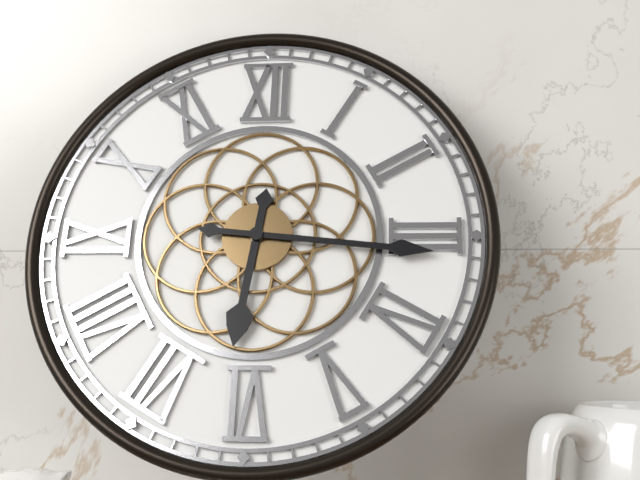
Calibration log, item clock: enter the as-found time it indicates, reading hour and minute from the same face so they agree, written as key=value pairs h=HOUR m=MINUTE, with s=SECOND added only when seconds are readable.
h=6 m=16
